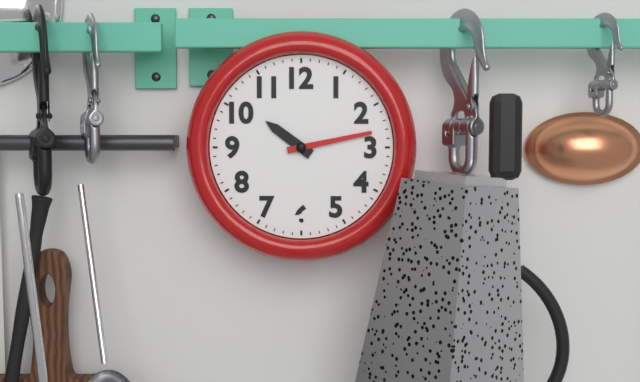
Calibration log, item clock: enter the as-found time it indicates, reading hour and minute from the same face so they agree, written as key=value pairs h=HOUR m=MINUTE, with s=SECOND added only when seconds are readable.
h=10 m=13
